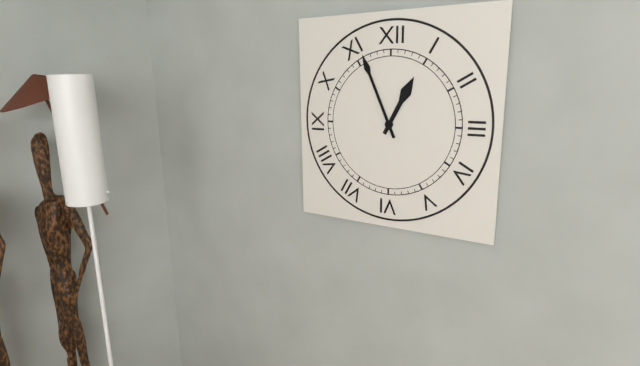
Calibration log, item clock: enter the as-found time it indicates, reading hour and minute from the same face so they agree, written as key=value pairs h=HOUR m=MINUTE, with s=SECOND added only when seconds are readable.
h=12 m=56
